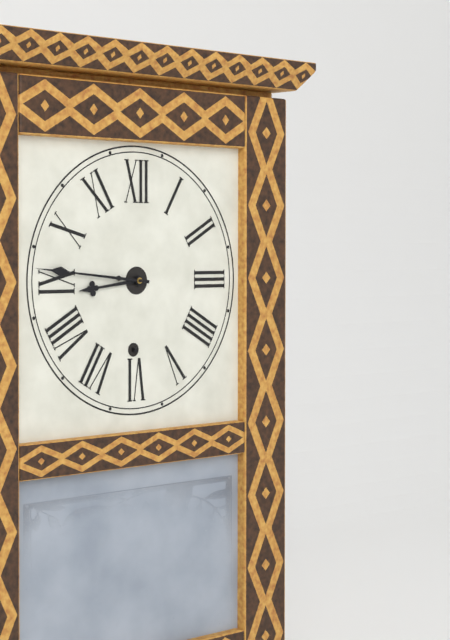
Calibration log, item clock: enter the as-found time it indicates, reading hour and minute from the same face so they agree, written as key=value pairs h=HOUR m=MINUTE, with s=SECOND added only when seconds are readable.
h=8 m=46
